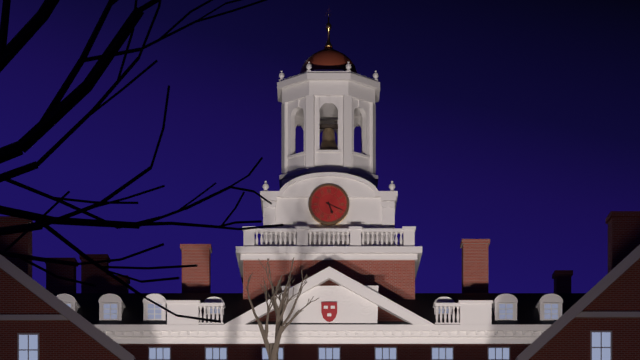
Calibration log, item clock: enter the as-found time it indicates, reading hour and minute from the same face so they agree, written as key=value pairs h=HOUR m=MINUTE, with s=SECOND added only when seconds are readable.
h=5 m=19
